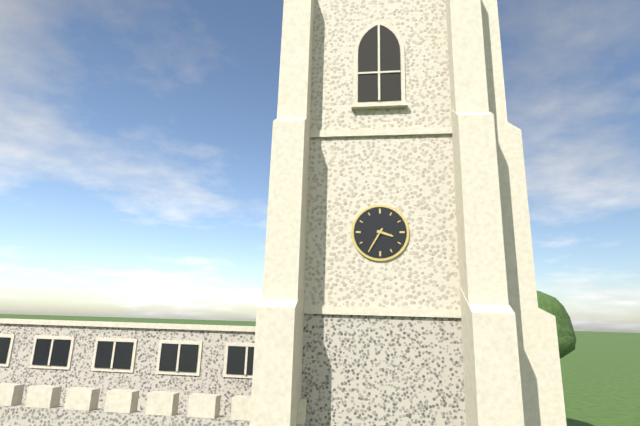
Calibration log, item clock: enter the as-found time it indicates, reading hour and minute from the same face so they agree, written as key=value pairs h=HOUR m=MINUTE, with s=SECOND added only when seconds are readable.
h=3 m=35
